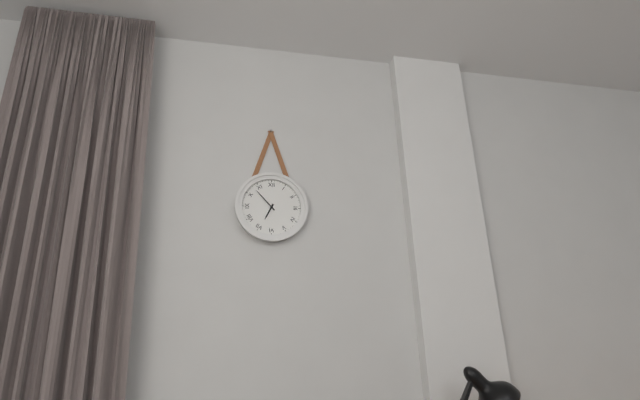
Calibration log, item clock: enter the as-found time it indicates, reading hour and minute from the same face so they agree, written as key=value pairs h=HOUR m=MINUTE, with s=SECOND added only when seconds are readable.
h=6 m=53
